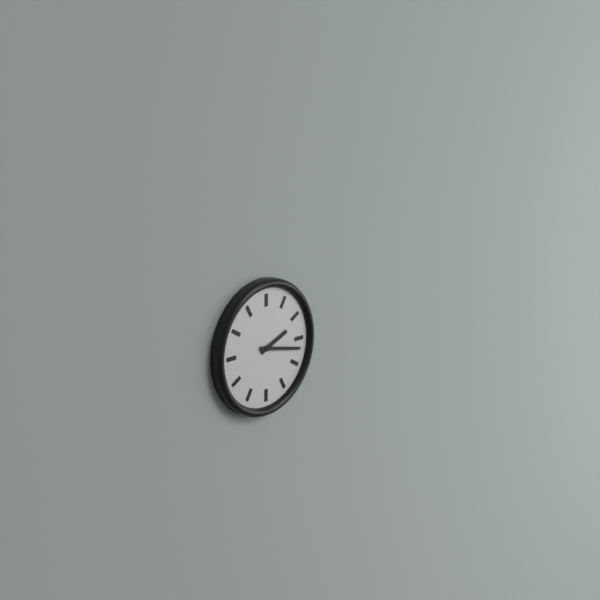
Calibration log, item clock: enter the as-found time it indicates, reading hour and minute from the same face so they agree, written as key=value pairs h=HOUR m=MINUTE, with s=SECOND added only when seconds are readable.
h=2 m=17
